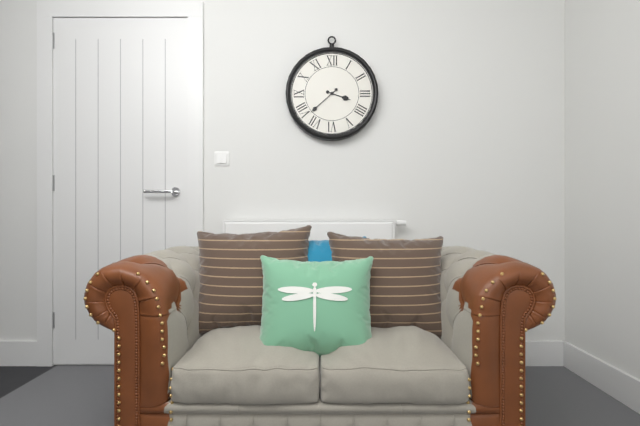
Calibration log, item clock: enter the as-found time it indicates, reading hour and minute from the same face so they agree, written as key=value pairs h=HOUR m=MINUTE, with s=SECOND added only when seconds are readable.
h=3 m=38
